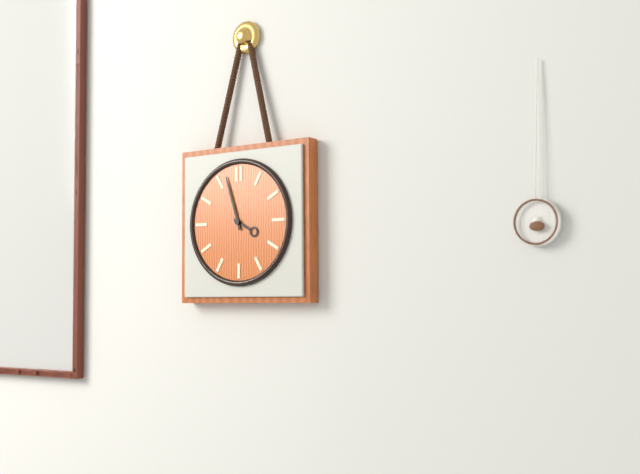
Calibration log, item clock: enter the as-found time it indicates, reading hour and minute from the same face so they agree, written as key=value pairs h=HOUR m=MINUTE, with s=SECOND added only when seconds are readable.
h=3 m=57
